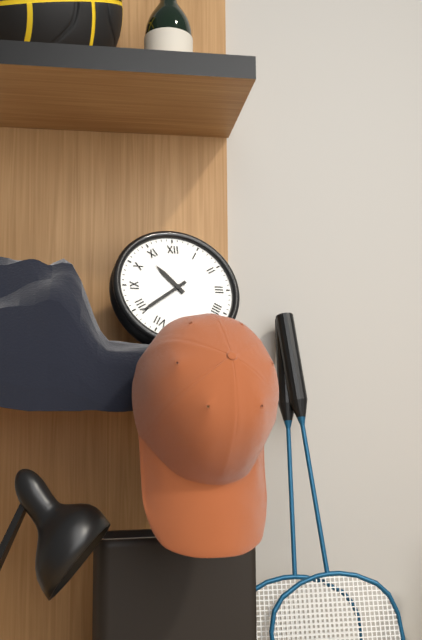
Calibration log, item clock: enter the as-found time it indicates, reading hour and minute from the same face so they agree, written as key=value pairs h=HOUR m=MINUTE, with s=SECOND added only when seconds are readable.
h=10 m=39
